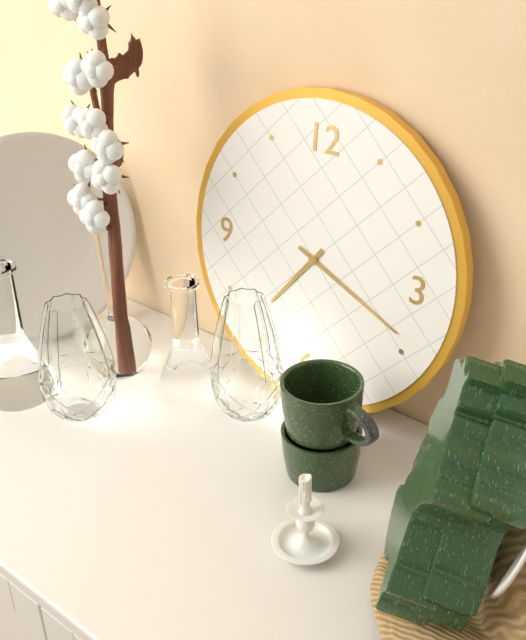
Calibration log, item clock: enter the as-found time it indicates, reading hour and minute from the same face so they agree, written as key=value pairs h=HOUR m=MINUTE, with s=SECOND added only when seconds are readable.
h=7 m=19
